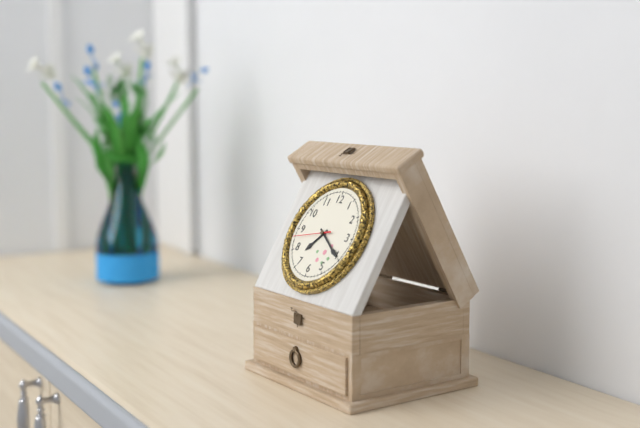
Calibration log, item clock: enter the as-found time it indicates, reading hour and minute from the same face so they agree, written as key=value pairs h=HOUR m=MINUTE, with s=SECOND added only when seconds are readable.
h=7 m=20
